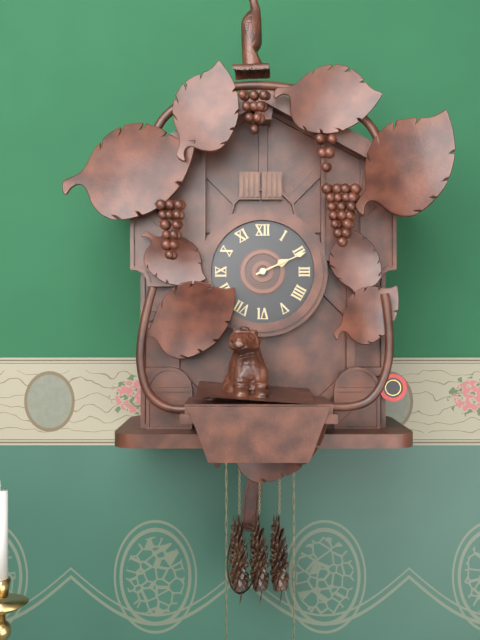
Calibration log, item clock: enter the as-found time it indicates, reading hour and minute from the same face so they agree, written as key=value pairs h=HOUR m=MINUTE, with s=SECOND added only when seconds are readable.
h=2 m=11
